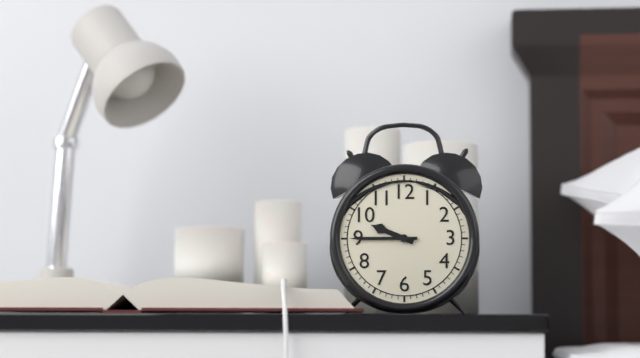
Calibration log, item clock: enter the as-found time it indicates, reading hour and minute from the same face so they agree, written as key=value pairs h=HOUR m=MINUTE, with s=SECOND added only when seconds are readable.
h=9 m=45
